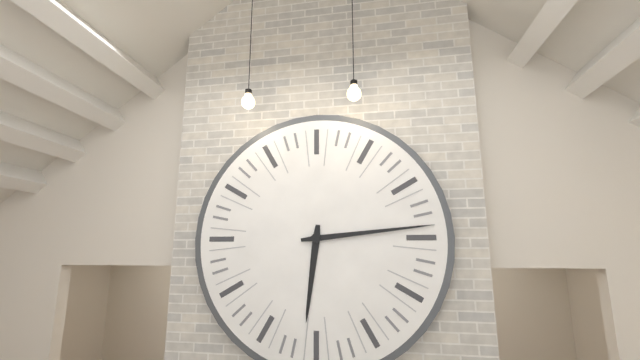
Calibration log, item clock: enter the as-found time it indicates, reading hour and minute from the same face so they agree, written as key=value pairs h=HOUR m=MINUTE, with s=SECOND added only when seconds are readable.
h=6 m=14
